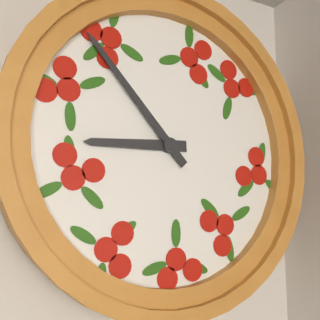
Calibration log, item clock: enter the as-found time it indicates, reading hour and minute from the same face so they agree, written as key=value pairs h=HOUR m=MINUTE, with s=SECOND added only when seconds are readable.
h=8 m=53
